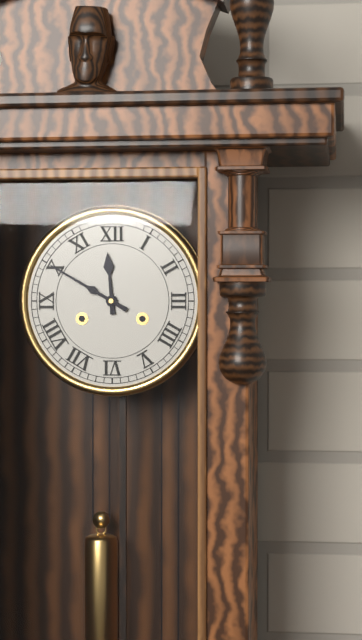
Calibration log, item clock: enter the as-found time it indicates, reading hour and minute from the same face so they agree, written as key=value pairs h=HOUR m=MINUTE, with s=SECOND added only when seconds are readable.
h=11 m=50
